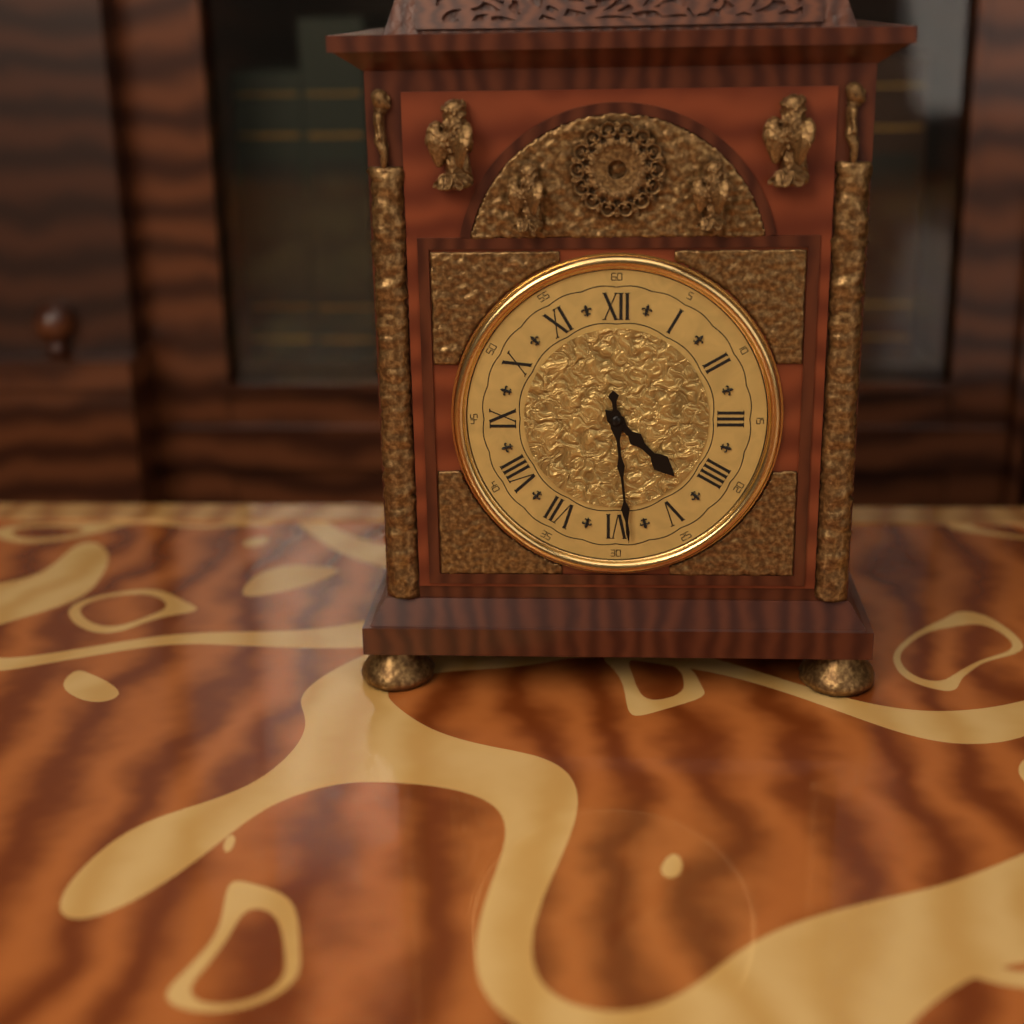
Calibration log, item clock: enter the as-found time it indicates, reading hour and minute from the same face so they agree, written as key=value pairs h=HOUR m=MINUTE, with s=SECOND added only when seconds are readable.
h=4 m=29
